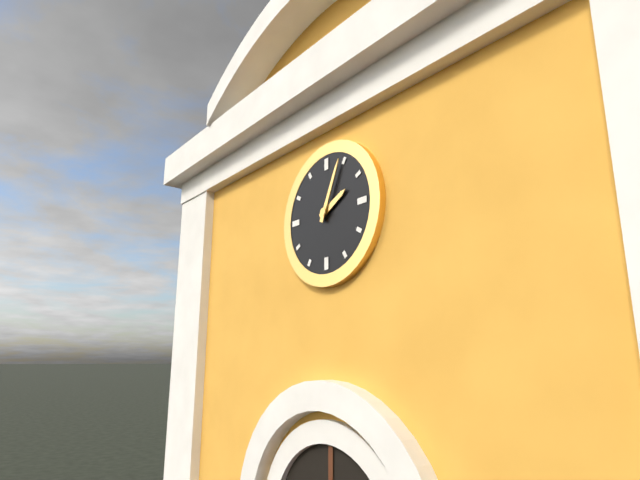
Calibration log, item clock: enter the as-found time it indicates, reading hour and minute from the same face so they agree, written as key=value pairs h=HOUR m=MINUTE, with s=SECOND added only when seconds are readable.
h=2 m=4
